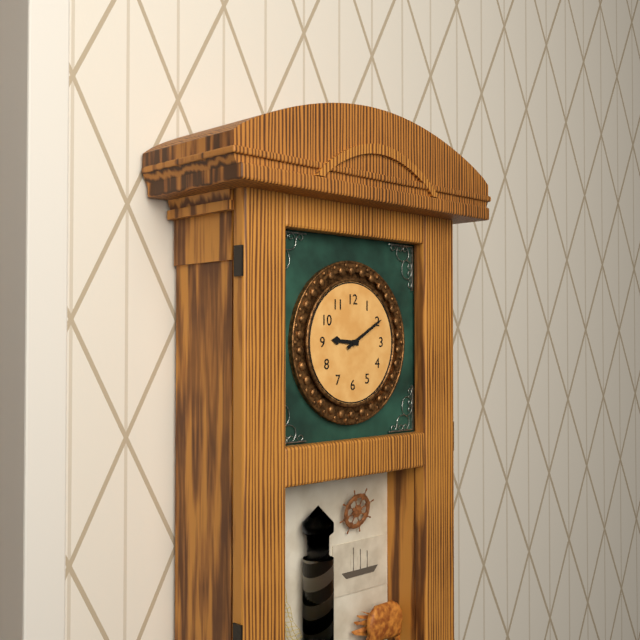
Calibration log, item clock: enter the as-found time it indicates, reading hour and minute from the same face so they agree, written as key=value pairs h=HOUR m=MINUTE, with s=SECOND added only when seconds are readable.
h=9 m=10
